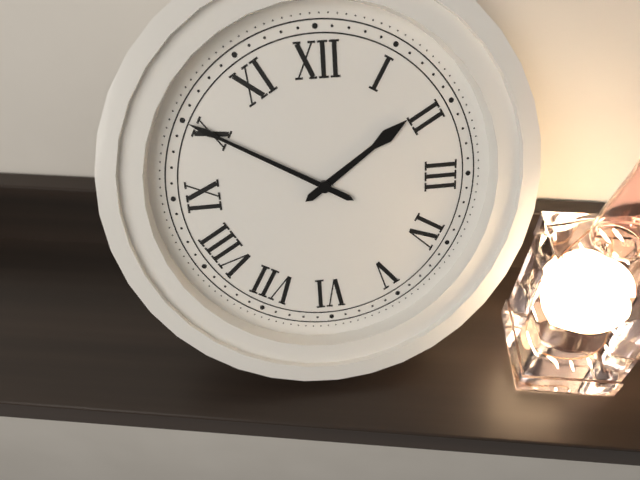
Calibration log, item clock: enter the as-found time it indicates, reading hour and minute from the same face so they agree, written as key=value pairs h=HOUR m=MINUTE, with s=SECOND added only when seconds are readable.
h=1 m=50
